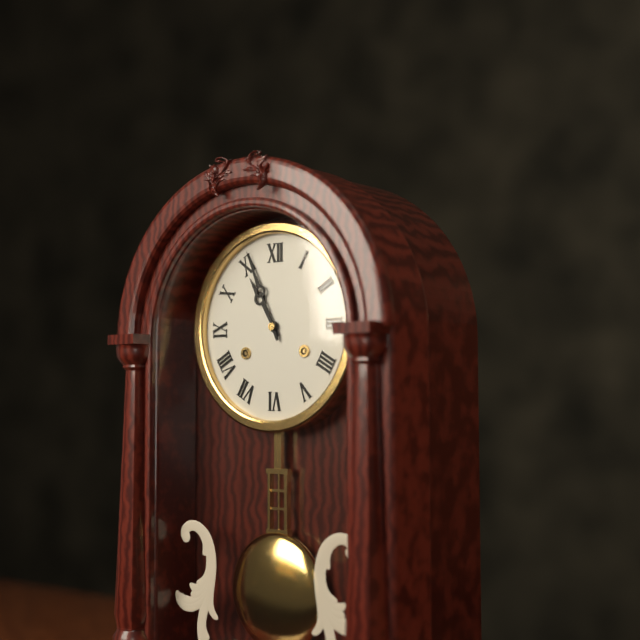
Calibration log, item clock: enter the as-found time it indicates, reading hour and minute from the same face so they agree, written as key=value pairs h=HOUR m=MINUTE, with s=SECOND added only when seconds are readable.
h=10 m=56
